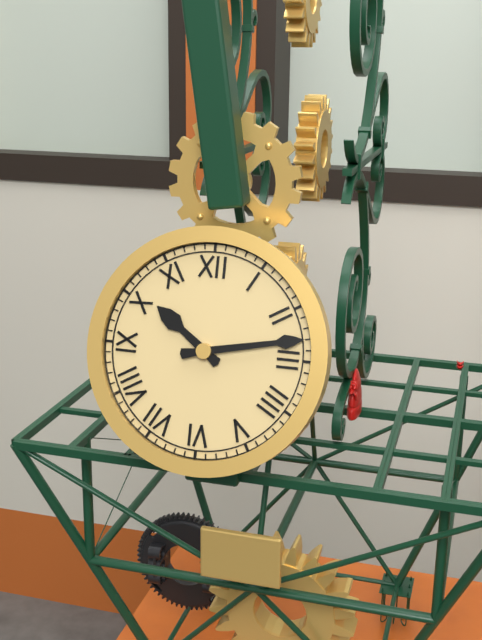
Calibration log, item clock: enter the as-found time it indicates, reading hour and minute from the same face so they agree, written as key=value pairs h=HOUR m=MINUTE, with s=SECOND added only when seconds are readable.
h=10 m=13
